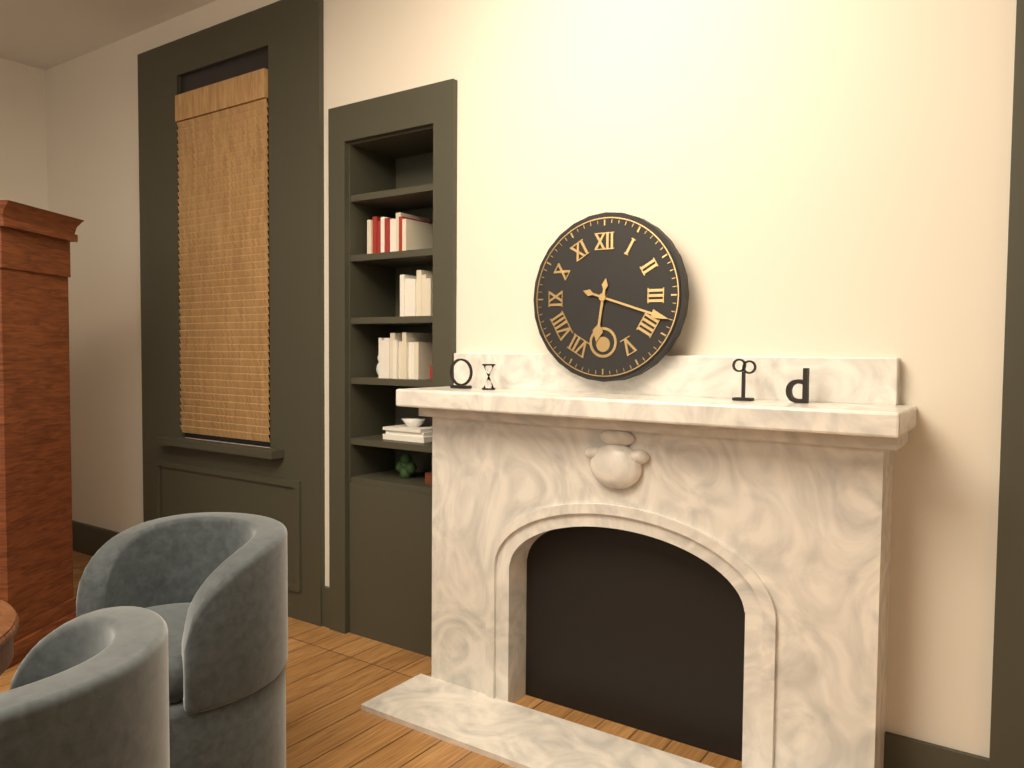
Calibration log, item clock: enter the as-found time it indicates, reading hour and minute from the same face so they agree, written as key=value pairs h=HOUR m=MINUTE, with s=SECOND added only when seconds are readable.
h=6 m=18
